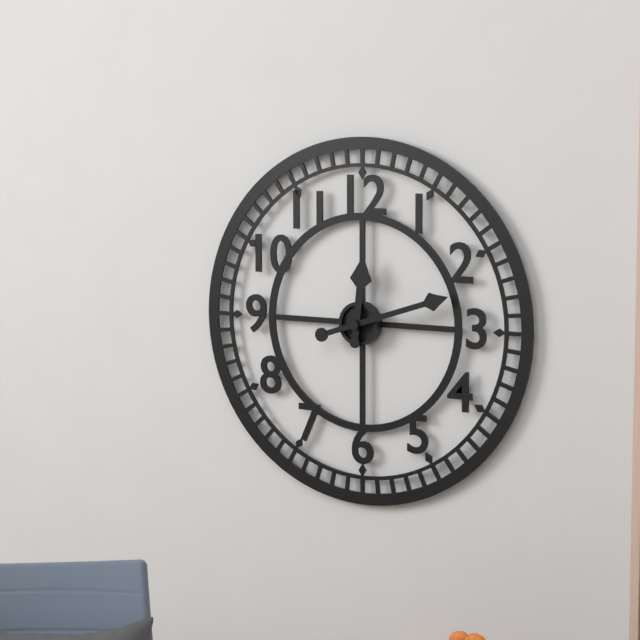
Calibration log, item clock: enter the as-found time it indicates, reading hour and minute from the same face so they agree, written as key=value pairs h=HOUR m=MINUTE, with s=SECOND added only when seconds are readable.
h=12 m=12
